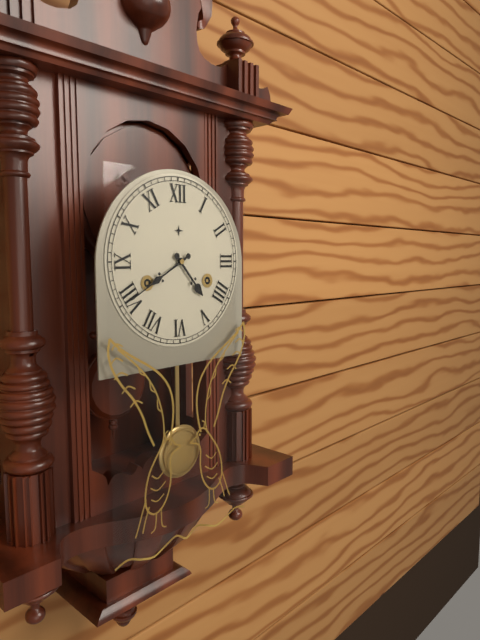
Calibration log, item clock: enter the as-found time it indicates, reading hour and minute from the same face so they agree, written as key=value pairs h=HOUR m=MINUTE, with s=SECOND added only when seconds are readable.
h=4 m=40
